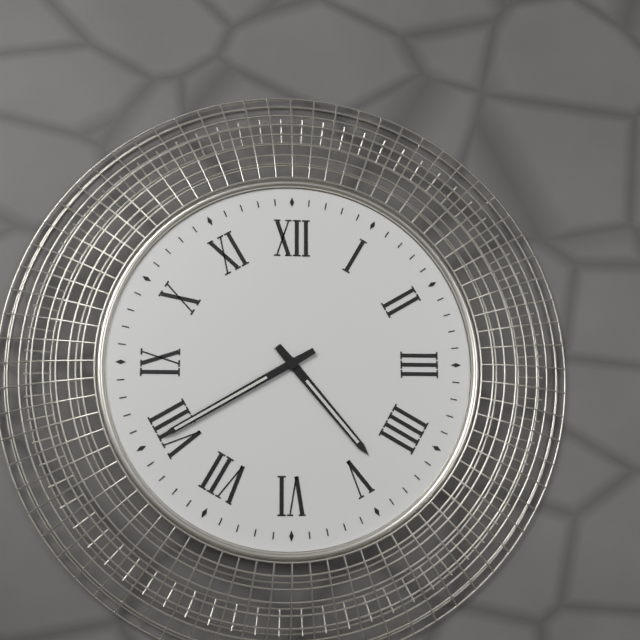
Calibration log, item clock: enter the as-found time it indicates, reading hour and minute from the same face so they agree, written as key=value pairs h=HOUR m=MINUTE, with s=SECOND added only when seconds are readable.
h=4 m=40
